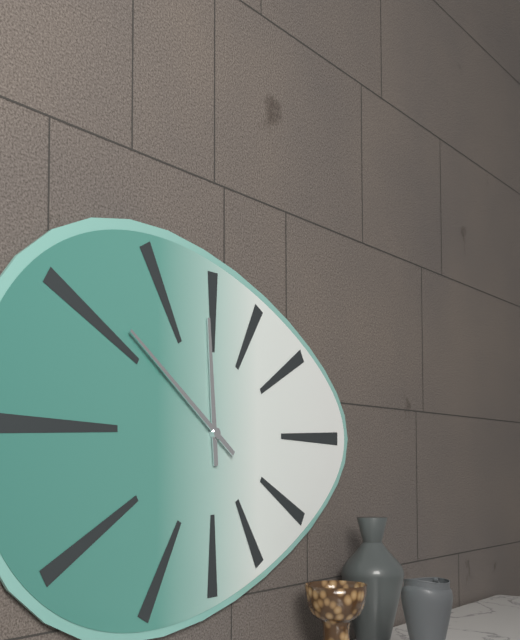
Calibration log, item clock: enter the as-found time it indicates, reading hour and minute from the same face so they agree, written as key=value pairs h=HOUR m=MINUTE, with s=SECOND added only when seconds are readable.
h=11 m=51
